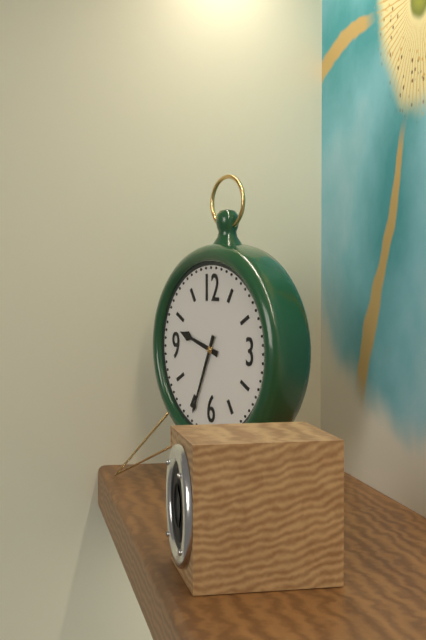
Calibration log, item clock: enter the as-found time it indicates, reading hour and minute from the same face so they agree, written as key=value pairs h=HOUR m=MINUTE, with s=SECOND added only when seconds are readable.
h=9 m=34
